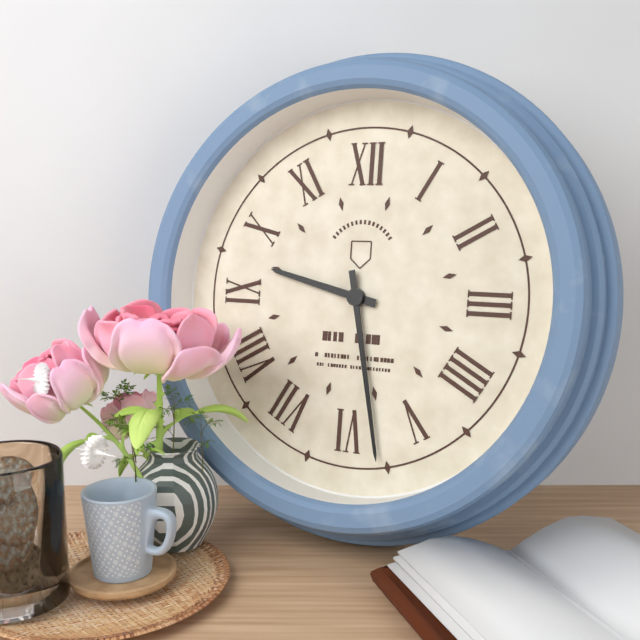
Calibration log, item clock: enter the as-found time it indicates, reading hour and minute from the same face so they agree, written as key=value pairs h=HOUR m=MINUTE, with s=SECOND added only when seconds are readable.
h=9 m=28
